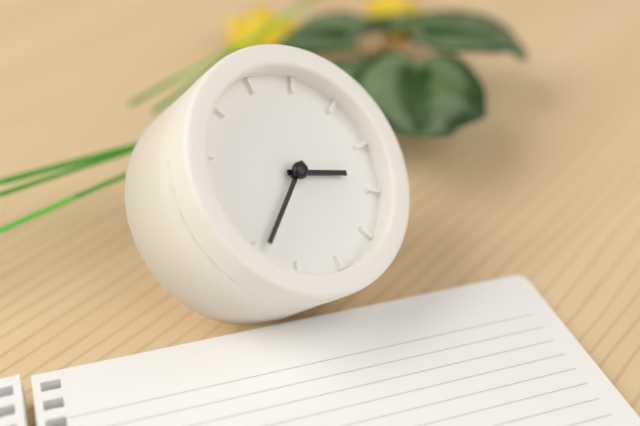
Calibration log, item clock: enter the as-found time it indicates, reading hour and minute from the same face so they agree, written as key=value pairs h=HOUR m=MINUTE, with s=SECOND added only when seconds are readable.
h=3 m=39
